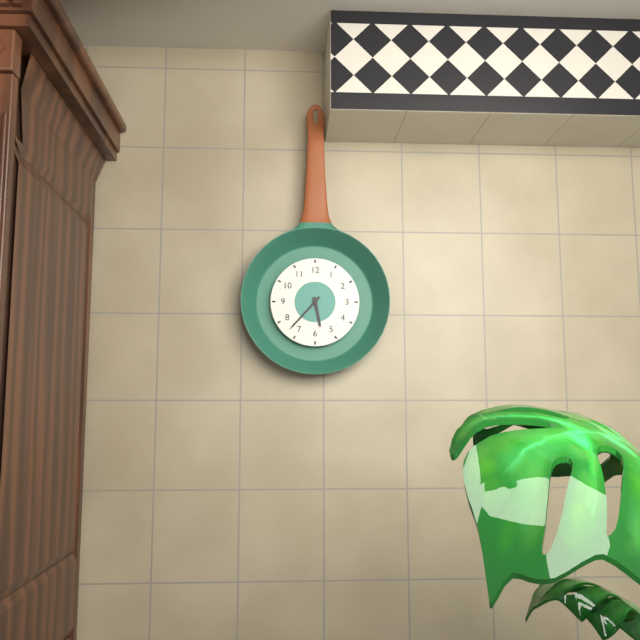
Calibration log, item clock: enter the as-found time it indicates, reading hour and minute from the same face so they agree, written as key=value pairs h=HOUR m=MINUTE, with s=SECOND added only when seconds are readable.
h=5 m=37
